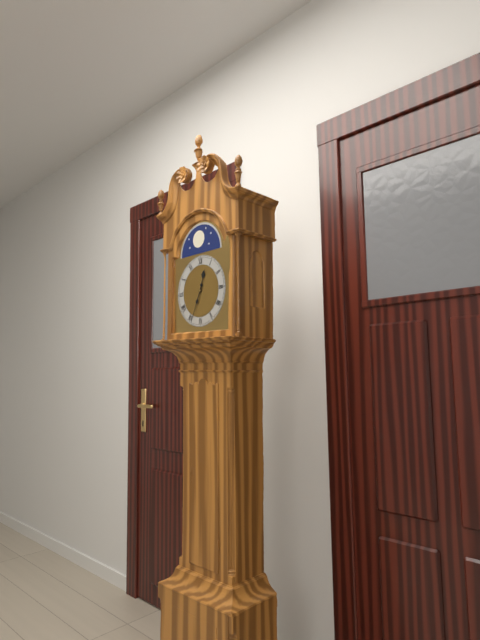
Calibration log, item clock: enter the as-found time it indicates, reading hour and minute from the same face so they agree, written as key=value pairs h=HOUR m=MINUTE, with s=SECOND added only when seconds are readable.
h=12 m=34
